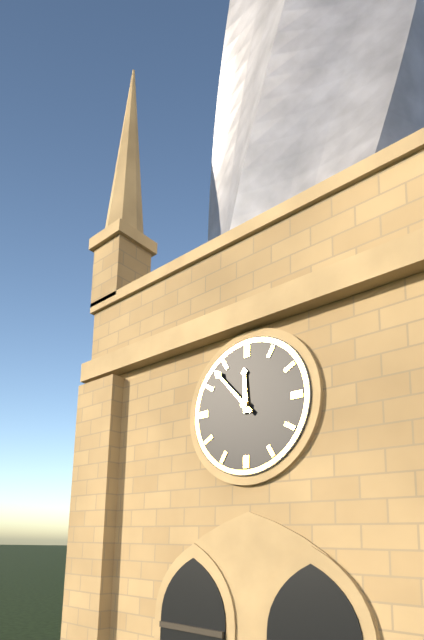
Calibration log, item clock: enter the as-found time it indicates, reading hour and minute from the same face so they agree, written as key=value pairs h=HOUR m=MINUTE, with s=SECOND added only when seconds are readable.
h=11 m=53
